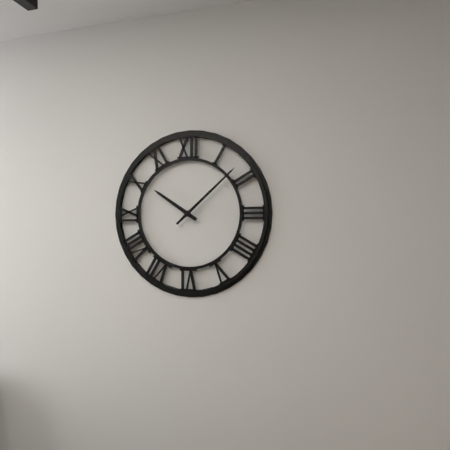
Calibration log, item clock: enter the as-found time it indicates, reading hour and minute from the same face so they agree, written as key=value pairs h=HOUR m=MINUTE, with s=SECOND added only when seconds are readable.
h=10 m=8
